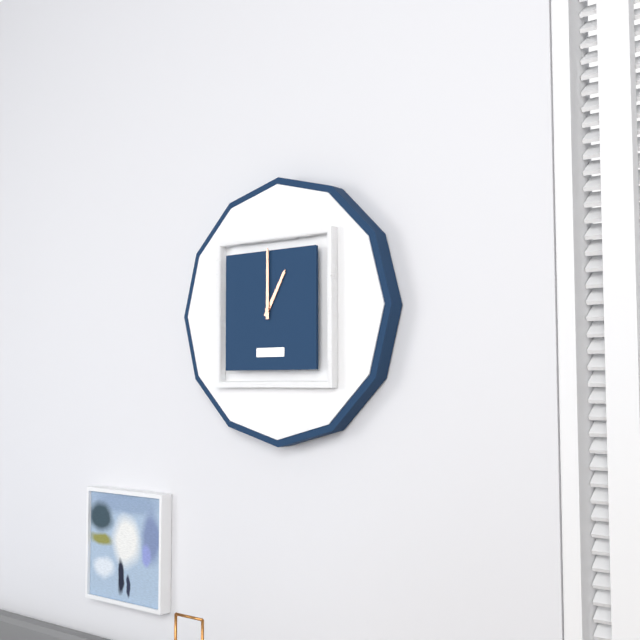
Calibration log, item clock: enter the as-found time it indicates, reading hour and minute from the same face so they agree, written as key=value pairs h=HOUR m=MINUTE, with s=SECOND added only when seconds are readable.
h=1 m=0
